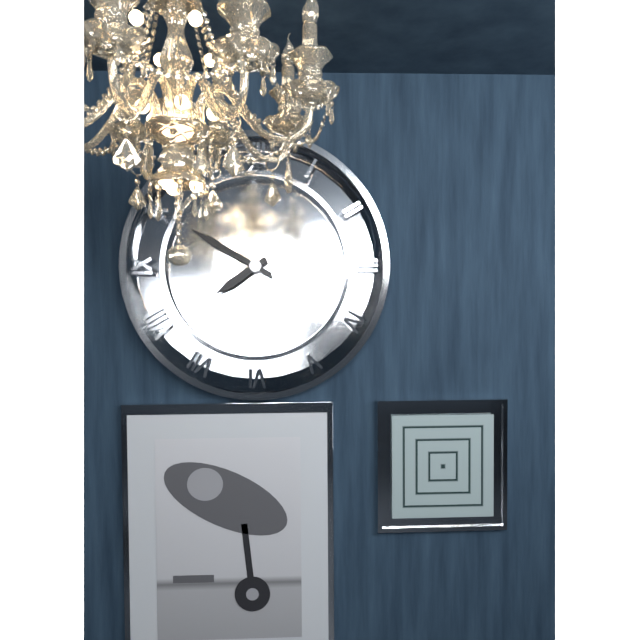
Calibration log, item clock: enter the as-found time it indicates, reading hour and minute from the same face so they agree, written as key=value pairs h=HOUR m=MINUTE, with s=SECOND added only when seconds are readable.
h=7 m=50
